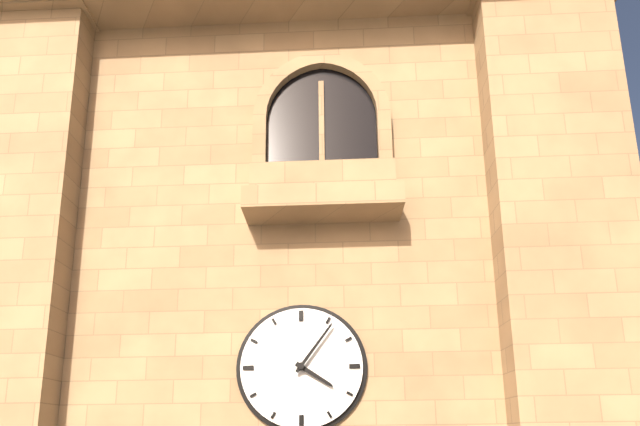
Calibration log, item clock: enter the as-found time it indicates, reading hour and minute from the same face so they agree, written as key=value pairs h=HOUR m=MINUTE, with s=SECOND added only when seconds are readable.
h=4 m=6
